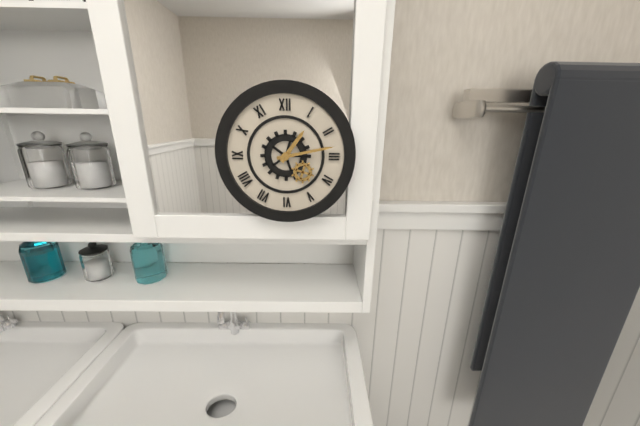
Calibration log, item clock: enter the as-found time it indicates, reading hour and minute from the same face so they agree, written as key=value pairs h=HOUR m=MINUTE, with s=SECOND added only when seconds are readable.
h=1 m=13
